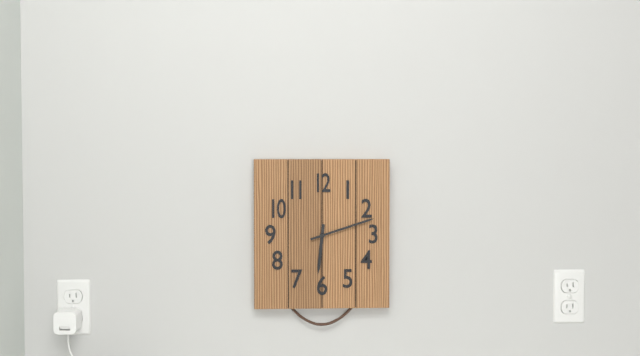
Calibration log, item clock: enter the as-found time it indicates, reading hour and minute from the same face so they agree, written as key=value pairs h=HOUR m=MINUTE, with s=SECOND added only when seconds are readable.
h=6 m=12
